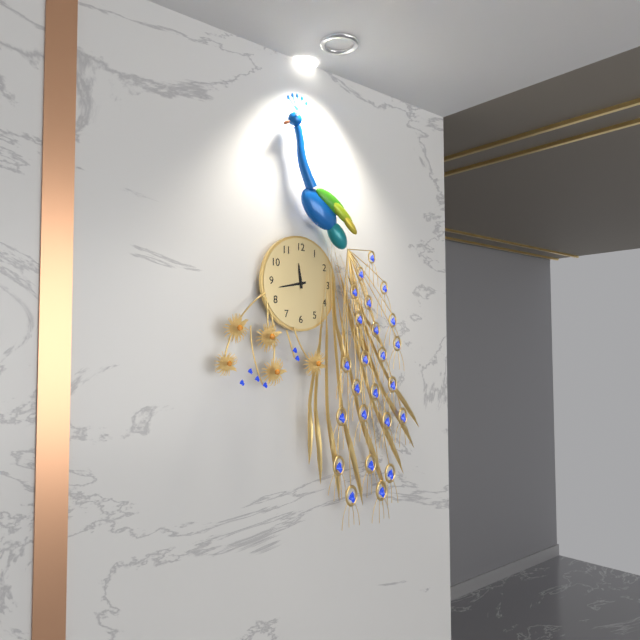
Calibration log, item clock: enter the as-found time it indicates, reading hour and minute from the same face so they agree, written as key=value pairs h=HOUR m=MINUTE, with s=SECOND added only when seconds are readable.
h=11 m=43
